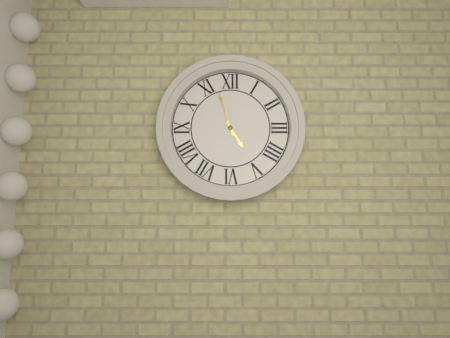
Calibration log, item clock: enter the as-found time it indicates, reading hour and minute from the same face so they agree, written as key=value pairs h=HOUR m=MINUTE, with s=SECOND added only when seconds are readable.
h=4 m=57
